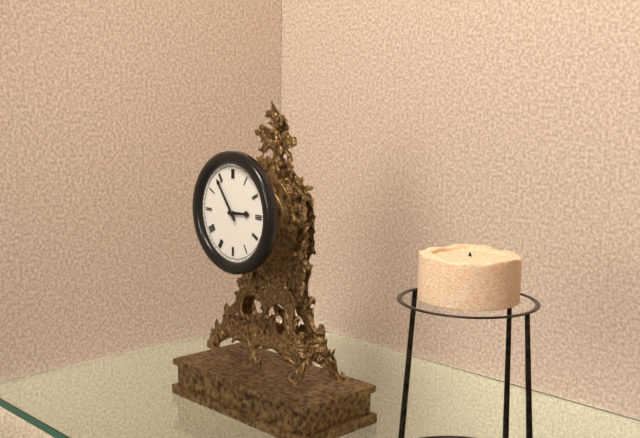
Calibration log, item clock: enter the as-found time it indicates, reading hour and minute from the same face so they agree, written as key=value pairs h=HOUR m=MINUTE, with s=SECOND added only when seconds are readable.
h=2 m=54
